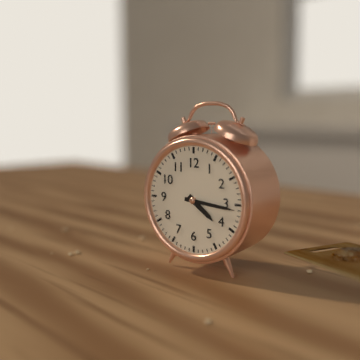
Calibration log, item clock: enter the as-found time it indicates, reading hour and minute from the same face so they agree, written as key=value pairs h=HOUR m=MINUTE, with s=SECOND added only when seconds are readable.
h=4 m=16
